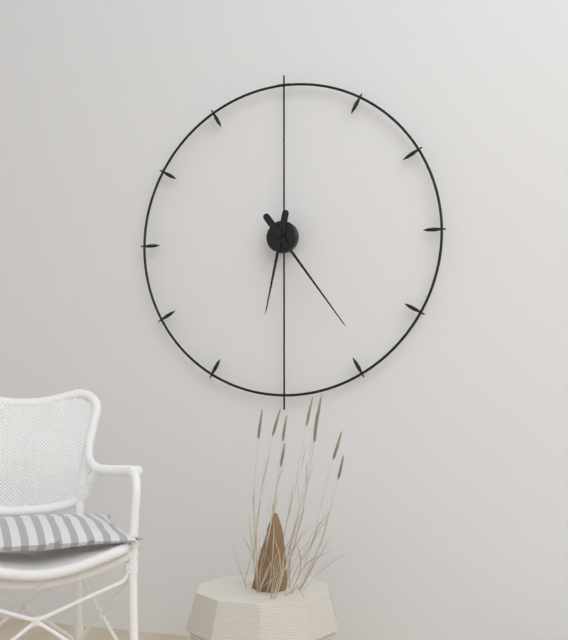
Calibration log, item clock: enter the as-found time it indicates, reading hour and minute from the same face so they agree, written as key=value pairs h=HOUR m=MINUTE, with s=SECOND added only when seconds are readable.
h=6 m=24
